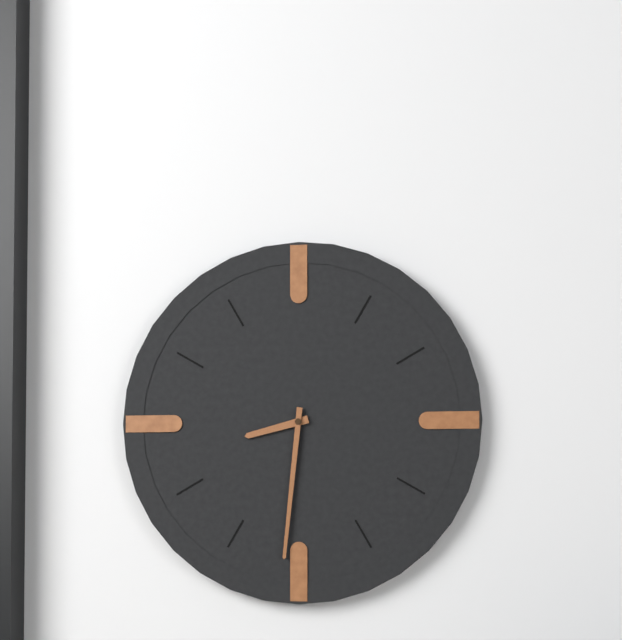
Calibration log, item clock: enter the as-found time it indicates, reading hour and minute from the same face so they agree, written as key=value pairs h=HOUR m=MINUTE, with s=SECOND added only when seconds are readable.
h=8 m=31
